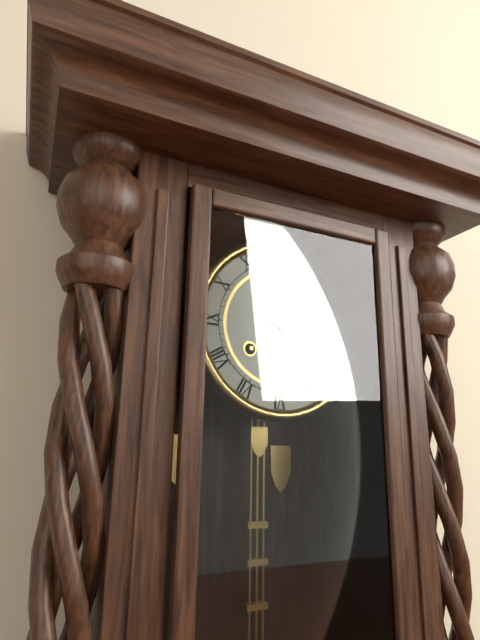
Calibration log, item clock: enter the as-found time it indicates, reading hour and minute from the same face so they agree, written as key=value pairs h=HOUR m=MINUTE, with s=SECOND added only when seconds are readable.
h=3 m=25
